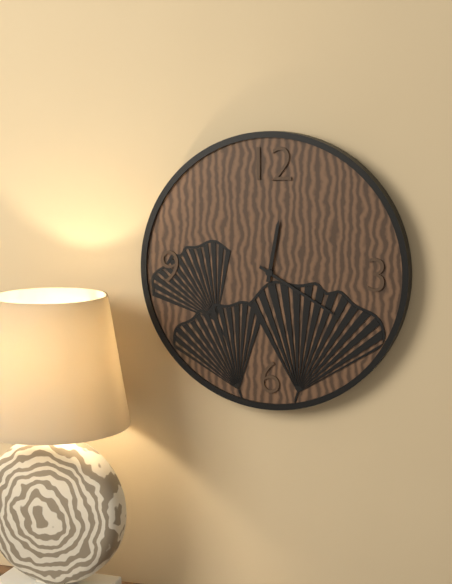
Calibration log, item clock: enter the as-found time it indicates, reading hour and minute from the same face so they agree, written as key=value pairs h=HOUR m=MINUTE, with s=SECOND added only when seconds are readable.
h=12 m=20
